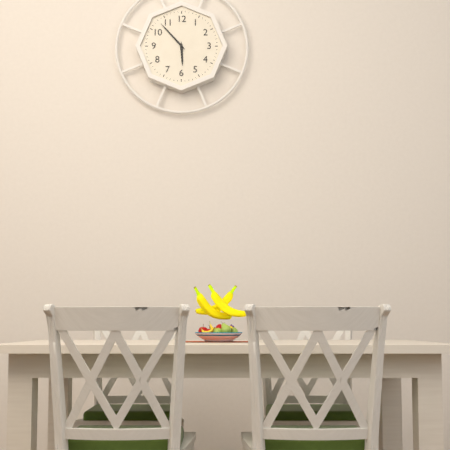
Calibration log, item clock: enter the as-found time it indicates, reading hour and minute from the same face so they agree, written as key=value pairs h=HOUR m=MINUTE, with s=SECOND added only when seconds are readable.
h=5 m=53
